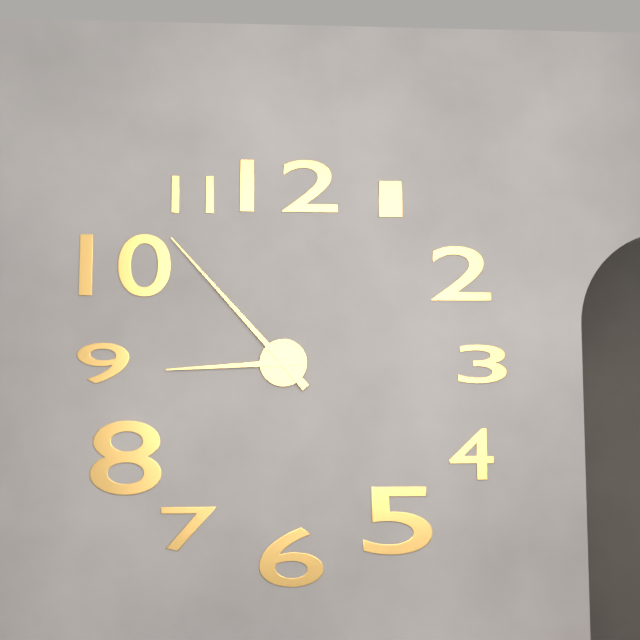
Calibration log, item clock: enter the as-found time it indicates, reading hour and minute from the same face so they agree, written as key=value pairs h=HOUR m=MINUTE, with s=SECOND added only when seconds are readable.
h=8 m=53
